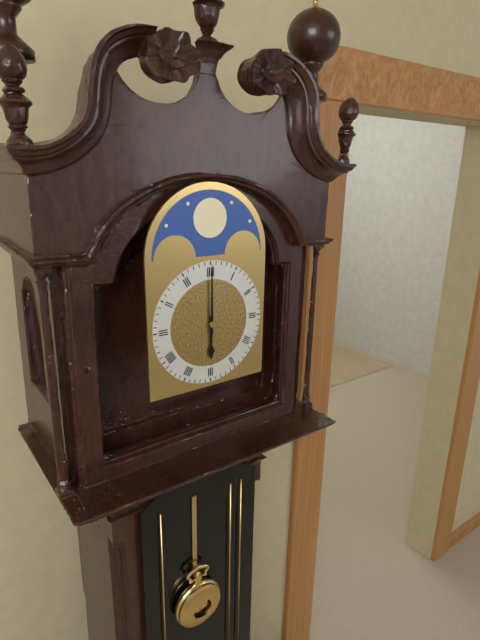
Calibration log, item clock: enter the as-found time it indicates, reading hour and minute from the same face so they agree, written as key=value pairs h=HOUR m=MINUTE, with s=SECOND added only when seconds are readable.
h=6 m=0
